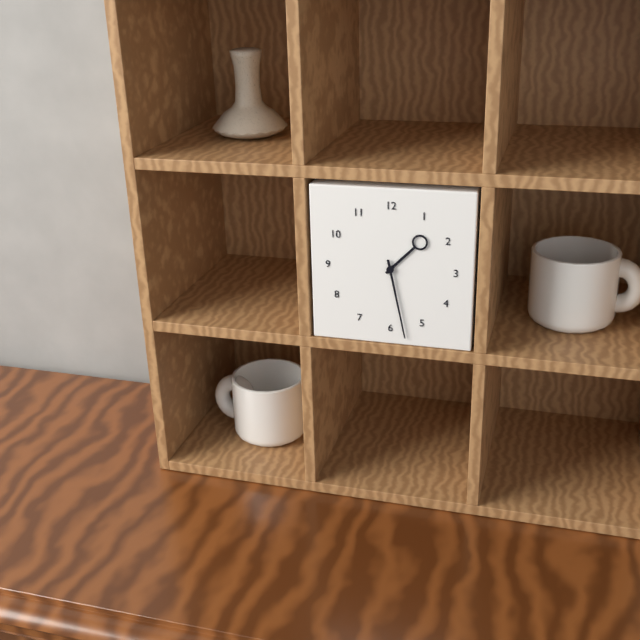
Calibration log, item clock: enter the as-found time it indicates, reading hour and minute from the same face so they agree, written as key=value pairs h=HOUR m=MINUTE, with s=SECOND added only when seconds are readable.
h=1 m=28
